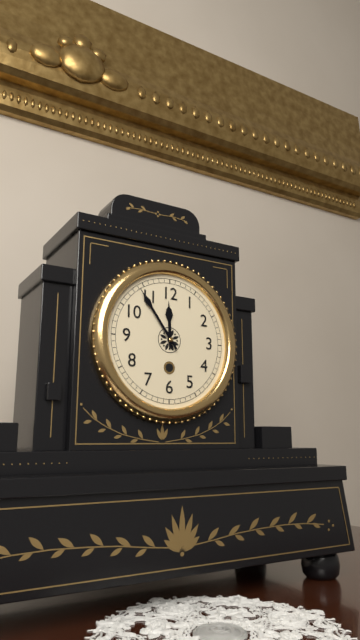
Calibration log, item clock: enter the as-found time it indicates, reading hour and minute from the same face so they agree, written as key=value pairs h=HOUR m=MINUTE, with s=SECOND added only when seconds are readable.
h=11 m=54
